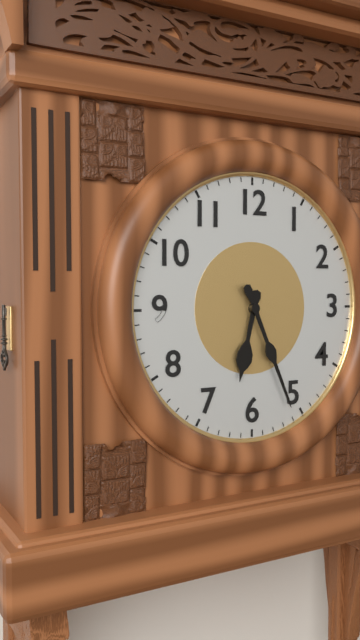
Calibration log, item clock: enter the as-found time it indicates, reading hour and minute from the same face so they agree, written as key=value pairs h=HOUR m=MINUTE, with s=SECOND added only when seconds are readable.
h=6 m=26
